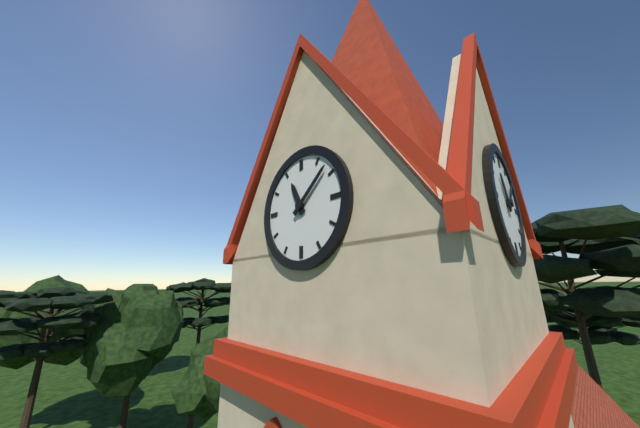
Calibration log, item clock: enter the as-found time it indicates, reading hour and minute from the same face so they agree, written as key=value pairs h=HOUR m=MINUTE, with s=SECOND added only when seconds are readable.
h=11 m=8
